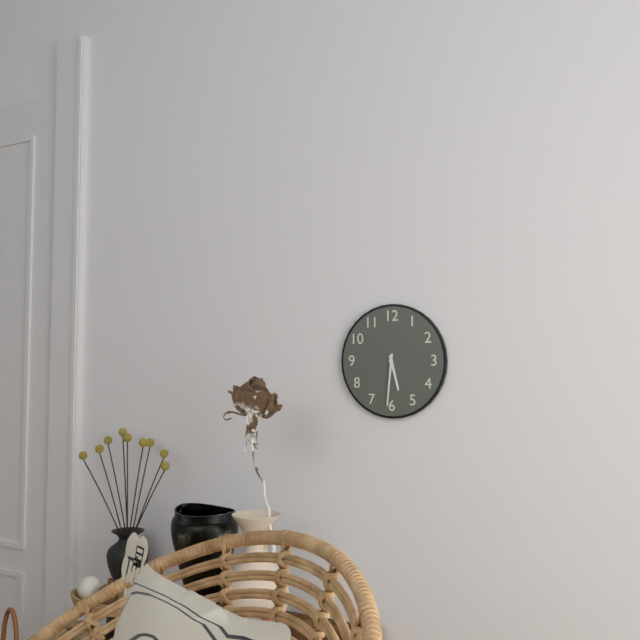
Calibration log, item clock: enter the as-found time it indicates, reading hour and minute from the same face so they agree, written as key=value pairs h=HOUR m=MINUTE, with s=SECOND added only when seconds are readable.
h=5 m=31
